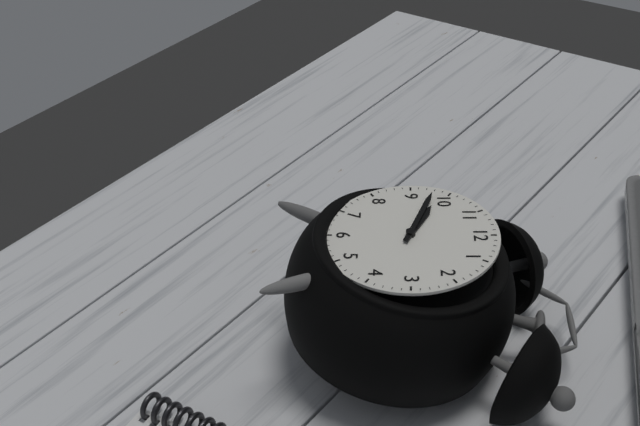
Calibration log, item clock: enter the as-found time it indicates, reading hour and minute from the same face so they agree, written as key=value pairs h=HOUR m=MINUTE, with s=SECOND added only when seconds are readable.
h=9 m=48
